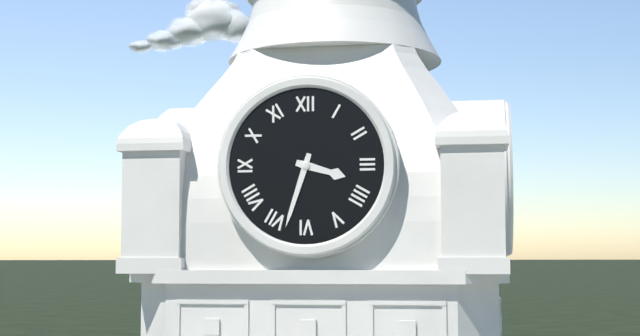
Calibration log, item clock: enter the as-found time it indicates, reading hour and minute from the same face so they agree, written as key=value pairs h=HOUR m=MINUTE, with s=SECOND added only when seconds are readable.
h=3 m=33
